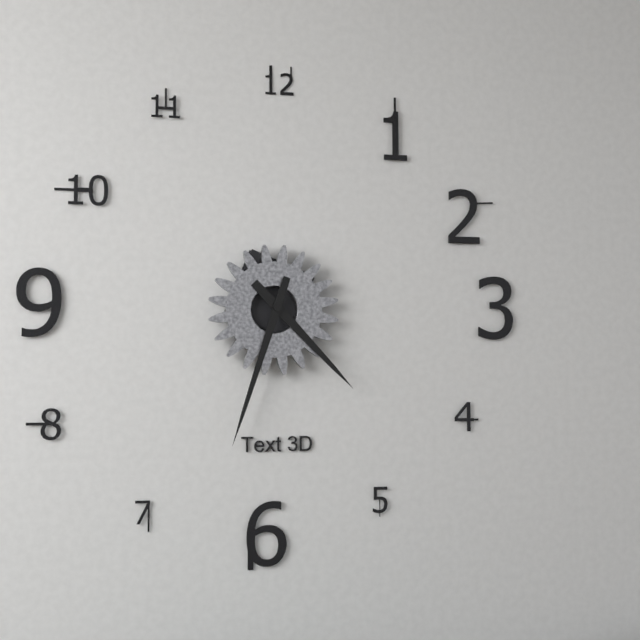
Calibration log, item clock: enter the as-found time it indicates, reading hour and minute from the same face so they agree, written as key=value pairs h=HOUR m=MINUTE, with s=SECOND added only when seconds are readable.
h=4 m=33
